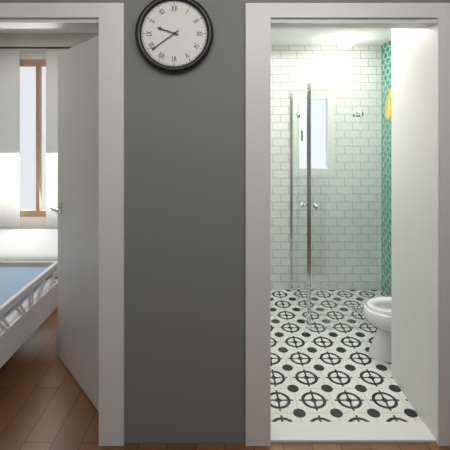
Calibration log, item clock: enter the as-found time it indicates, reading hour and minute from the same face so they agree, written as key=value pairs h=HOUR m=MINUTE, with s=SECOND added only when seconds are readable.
h=9 m=39
